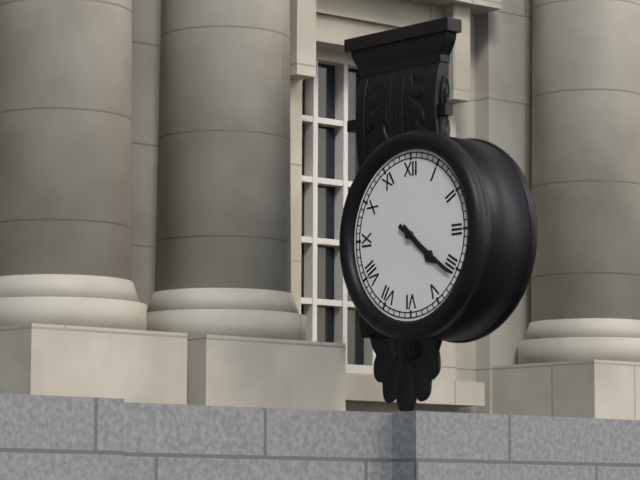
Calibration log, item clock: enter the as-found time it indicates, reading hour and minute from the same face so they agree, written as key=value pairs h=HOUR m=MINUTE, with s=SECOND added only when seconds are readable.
h=4 m=21
